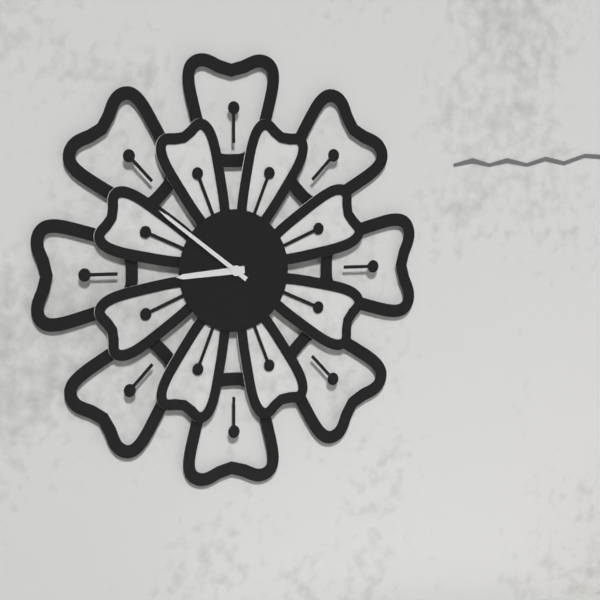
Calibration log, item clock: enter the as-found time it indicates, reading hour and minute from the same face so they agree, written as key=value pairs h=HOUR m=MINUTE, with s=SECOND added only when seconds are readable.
h=8 m=51
